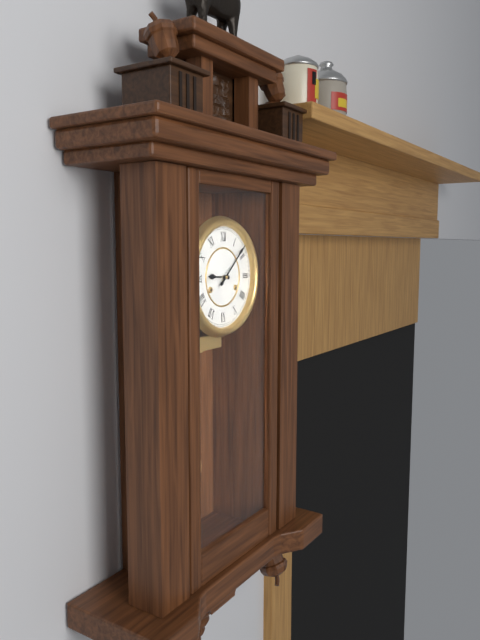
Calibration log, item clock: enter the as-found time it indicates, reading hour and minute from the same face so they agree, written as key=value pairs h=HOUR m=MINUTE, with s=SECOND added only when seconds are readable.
h=9 m=8
